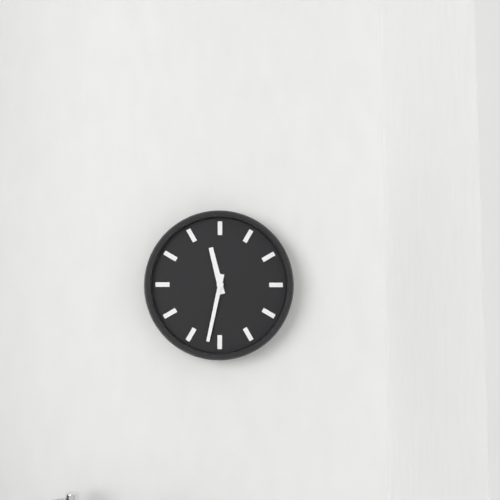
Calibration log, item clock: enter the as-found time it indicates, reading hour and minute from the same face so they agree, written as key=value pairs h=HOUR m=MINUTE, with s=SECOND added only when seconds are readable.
h=11 m=32
